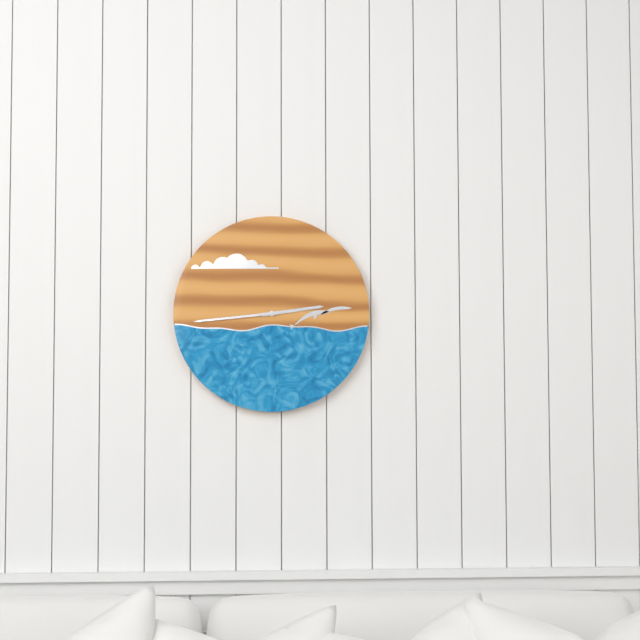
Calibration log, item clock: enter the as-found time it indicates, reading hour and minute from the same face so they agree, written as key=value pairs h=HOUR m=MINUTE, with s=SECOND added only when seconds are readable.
h=2 m=44
